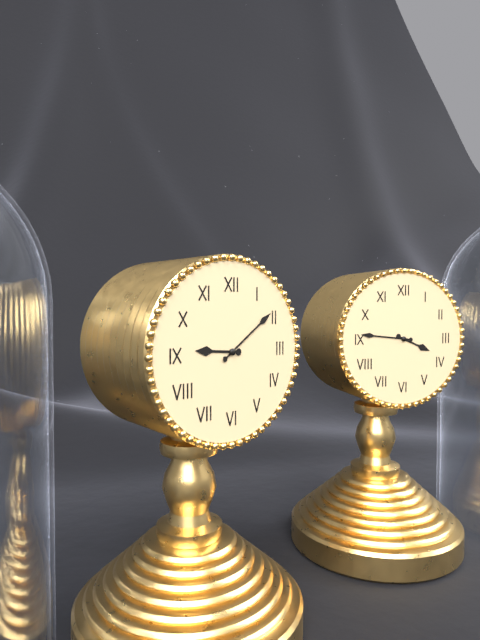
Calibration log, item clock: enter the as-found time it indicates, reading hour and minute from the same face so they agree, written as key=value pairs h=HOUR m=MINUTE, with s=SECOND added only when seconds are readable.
h=9 m=9
